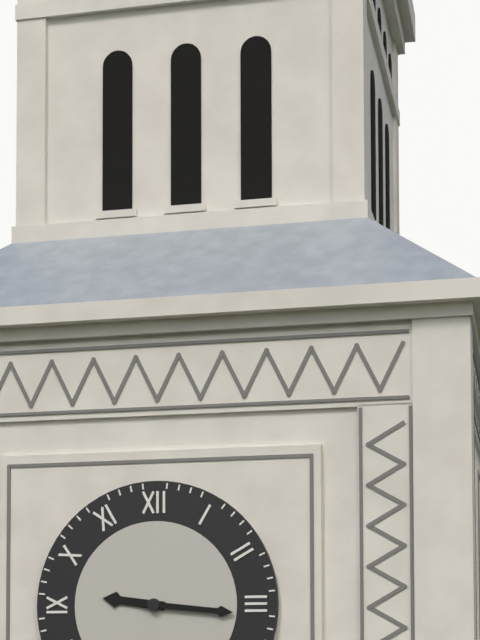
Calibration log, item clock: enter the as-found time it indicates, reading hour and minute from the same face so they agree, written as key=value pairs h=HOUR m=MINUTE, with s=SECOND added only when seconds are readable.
h=9 m=16
